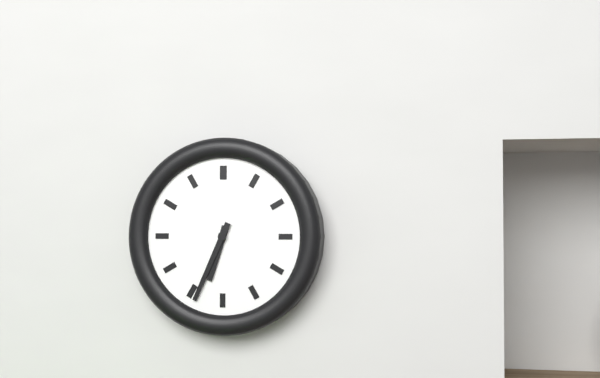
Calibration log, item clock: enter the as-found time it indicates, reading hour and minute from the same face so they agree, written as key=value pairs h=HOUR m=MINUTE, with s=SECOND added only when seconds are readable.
h=6 m=34
